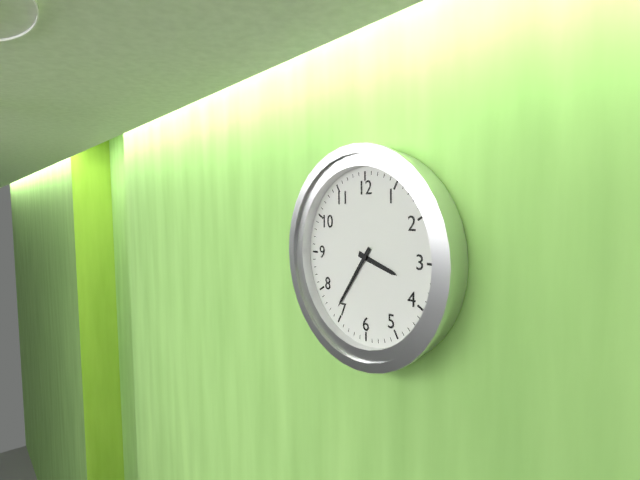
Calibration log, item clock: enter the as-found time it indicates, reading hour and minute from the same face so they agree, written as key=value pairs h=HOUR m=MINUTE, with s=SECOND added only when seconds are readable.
h=3 m=36
